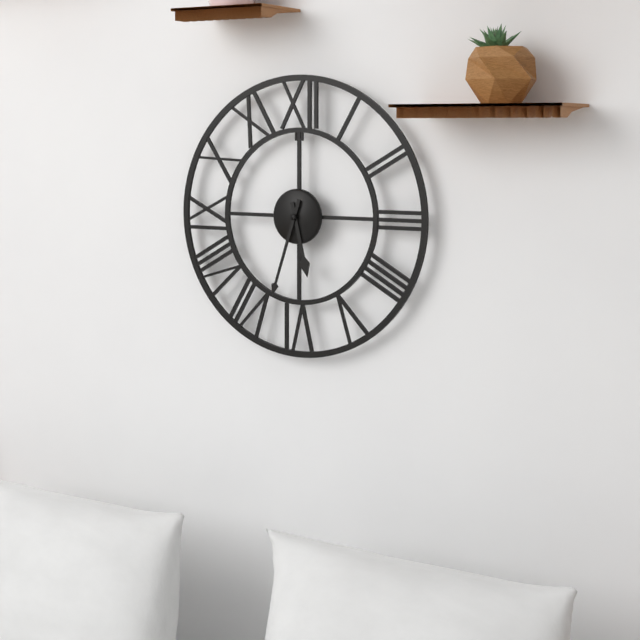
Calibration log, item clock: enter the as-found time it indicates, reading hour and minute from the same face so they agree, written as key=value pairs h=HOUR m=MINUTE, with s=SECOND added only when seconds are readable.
h=5 m=33
